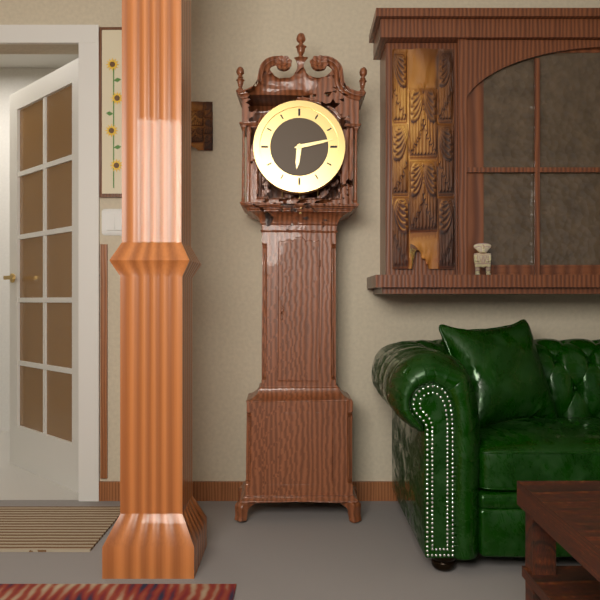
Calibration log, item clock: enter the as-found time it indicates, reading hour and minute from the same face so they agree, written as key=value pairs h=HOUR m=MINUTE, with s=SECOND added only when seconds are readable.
h=6 m=13
